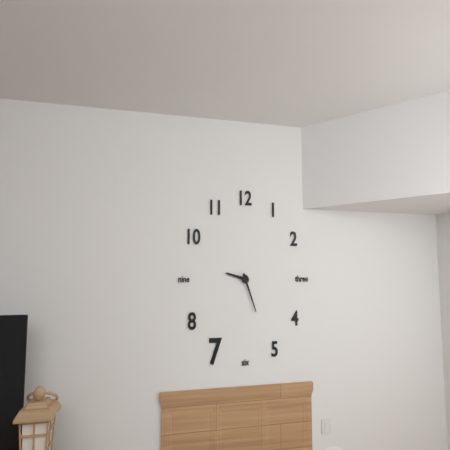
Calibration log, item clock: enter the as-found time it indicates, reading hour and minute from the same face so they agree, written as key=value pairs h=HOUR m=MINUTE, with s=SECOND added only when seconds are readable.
h=9 m=26
